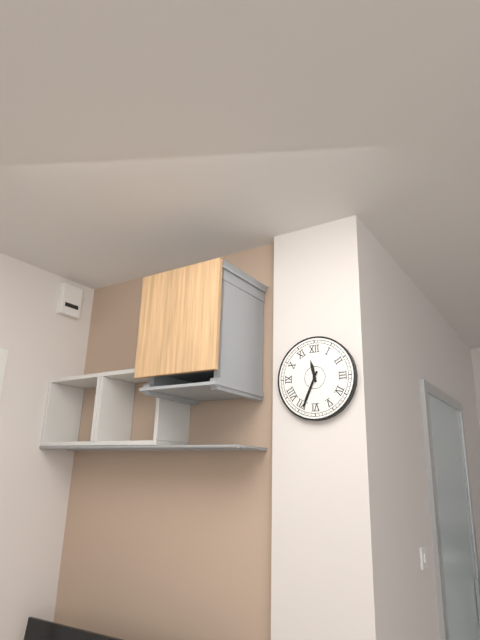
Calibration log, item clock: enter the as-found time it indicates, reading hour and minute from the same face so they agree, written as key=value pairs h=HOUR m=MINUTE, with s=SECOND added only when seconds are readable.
h=11 m=34
